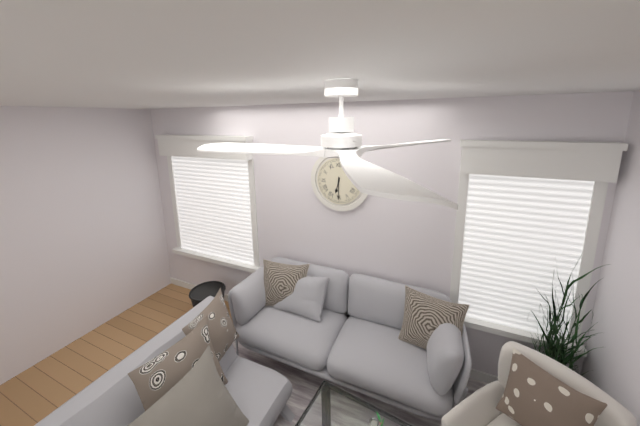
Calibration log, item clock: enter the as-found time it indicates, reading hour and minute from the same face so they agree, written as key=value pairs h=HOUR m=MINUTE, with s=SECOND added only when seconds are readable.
h=6 m=30
